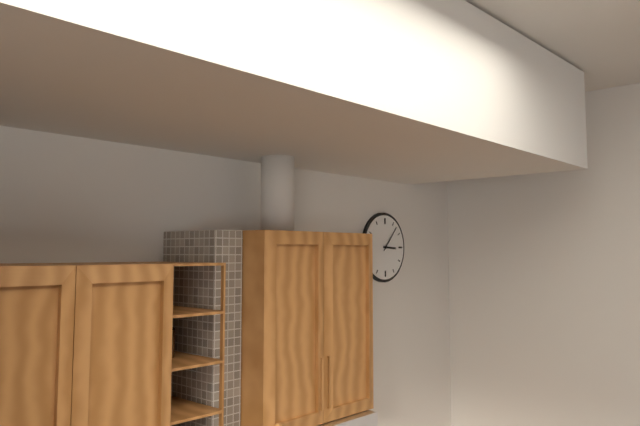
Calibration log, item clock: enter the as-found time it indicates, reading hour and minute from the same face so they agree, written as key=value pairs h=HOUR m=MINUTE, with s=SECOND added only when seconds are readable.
h=3 m=7
